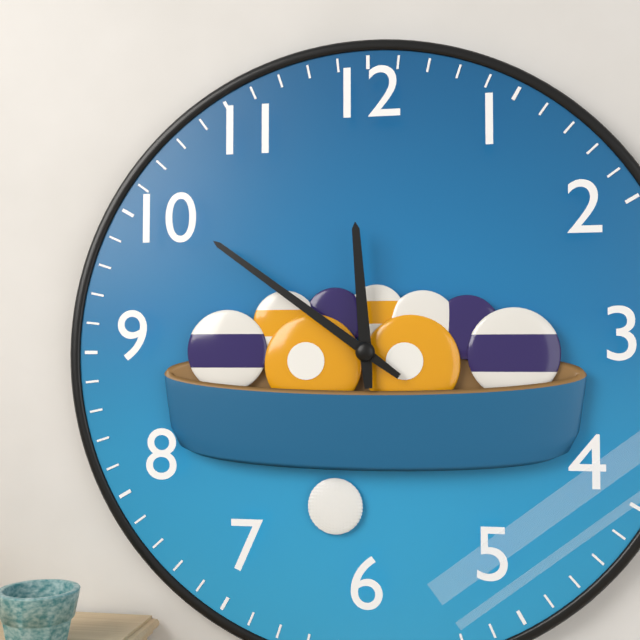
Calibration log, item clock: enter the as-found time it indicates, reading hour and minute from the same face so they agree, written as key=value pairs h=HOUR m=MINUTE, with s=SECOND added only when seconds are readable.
h=11 m=51
